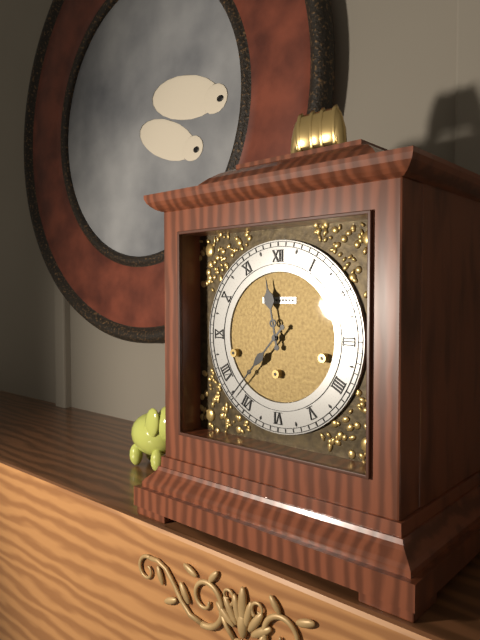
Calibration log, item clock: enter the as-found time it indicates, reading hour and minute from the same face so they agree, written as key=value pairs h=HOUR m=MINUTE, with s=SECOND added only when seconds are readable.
h=11 m=37
